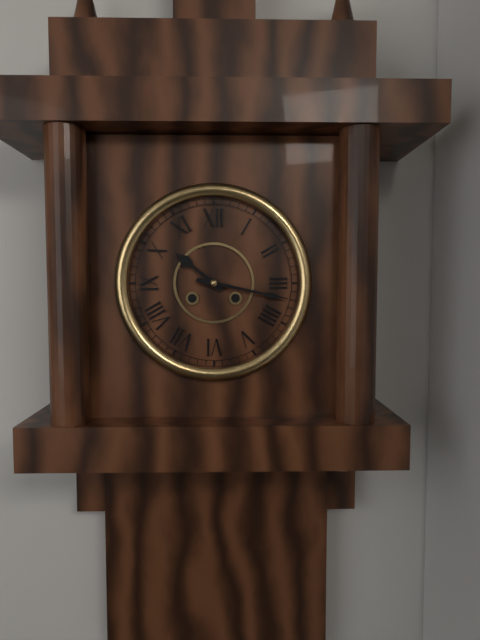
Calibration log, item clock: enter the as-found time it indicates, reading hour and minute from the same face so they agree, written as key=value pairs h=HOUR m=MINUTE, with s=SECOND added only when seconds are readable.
h=10 m=17
